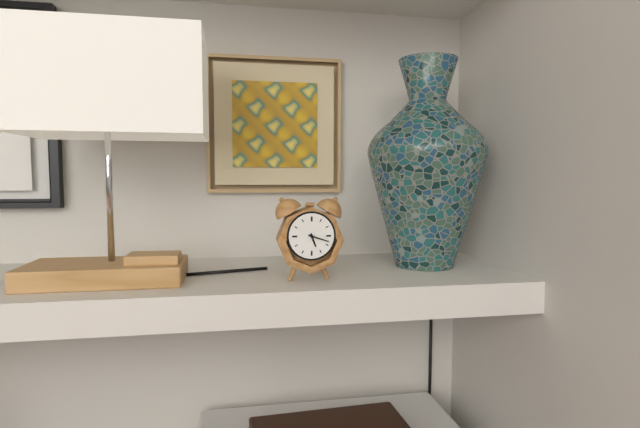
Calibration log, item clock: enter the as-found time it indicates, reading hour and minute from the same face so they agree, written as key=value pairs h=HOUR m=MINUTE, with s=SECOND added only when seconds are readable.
h=5 m=18
